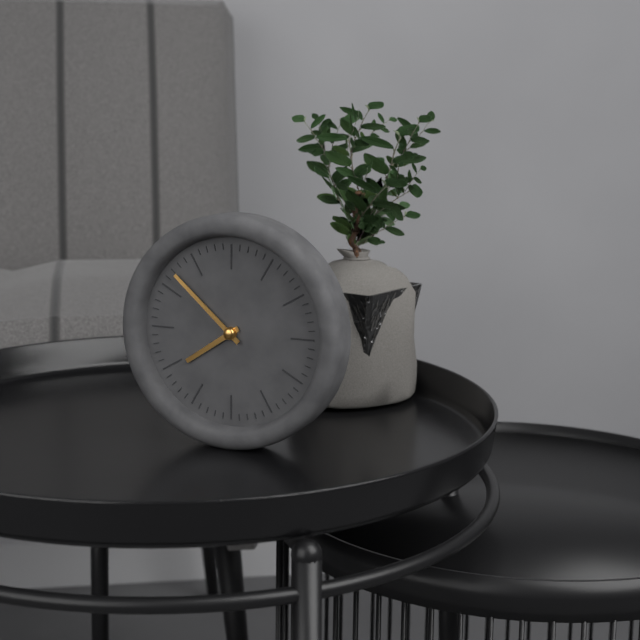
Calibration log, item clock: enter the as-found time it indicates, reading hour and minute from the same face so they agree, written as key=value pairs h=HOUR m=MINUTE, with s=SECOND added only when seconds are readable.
h=7 m=52
